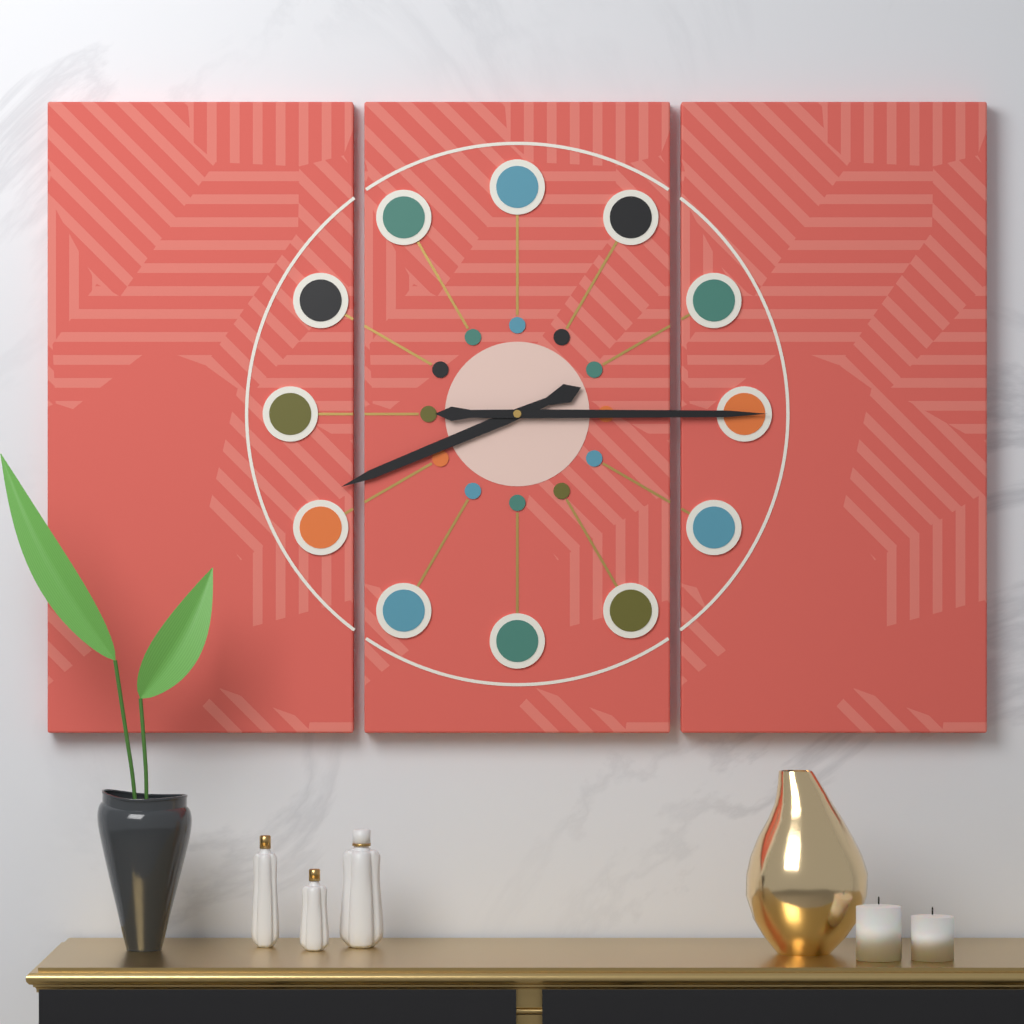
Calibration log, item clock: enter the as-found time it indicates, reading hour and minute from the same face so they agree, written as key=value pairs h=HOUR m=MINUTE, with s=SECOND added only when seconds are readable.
h=8 m=15
